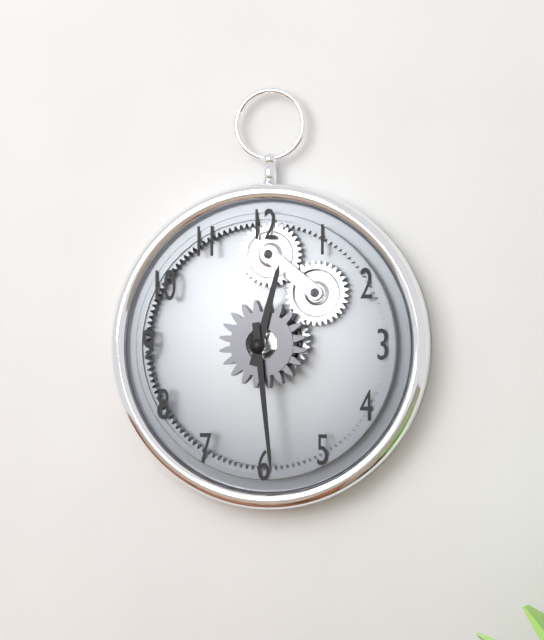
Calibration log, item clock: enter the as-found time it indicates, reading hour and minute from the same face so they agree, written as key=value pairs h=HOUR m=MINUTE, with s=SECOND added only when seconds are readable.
h=12 m=29
